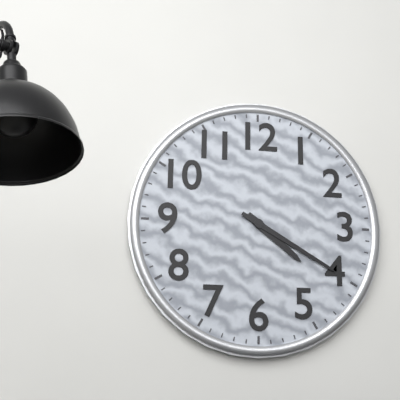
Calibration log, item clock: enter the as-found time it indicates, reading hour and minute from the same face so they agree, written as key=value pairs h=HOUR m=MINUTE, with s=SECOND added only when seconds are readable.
h=4 m=20
